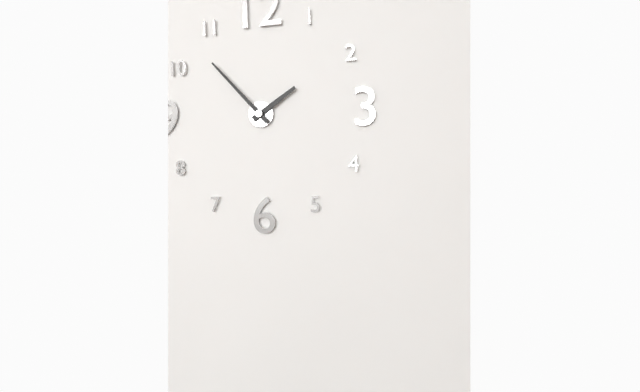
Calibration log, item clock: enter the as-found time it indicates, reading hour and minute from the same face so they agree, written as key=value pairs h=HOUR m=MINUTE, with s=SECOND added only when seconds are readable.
h=1 m=53
